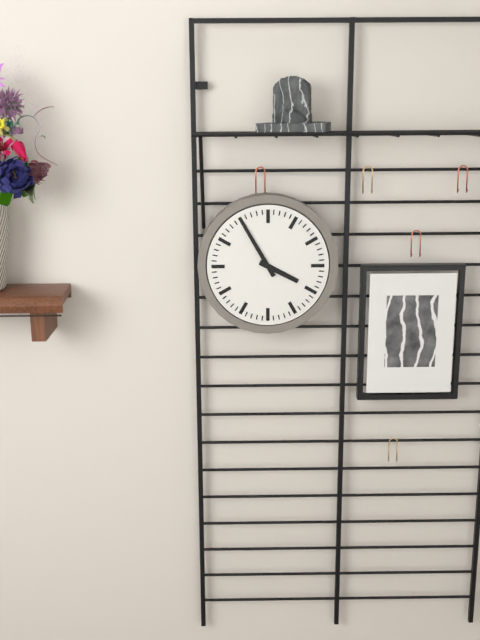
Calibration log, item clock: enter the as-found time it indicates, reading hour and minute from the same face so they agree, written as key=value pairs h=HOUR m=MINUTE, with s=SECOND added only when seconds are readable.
h=3 m=55
